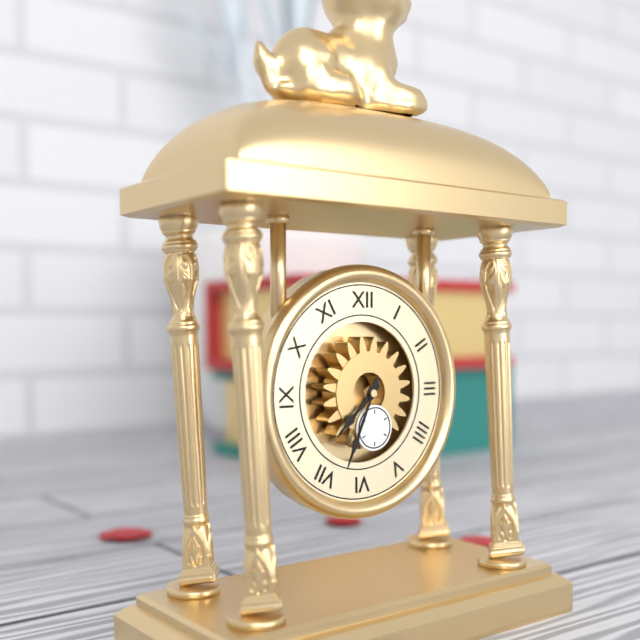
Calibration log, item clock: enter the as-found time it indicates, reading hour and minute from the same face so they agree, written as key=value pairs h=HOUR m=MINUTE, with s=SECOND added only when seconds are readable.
h=7 m=34
